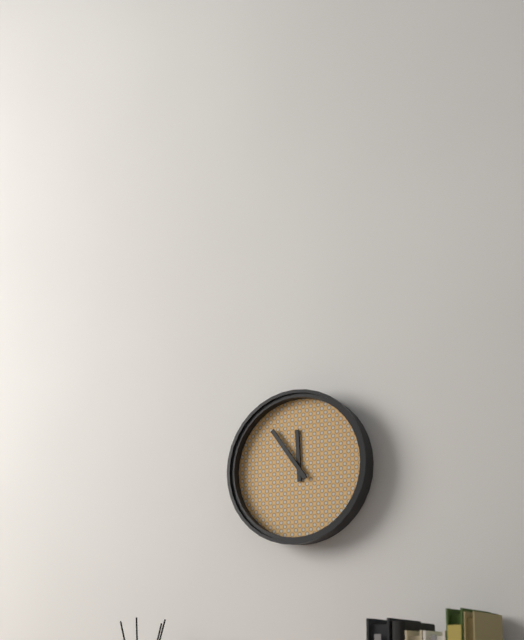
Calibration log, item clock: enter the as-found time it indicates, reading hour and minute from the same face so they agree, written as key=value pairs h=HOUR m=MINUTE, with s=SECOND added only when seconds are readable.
h=11 m=54
